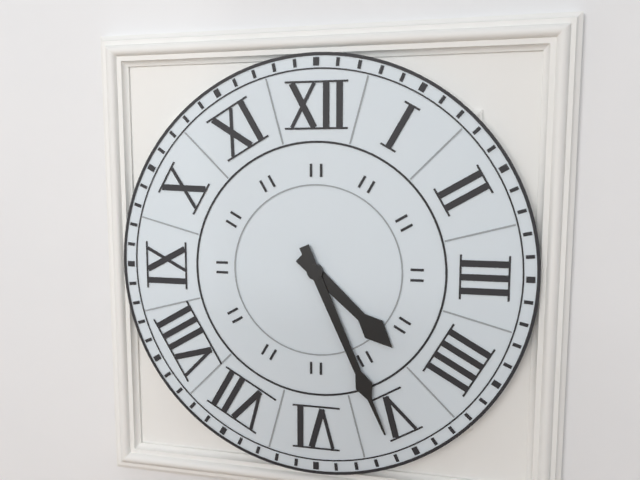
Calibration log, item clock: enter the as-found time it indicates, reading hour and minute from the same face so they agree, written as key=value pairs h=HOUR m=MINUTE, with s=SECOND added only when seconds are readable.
h=4 m=26
